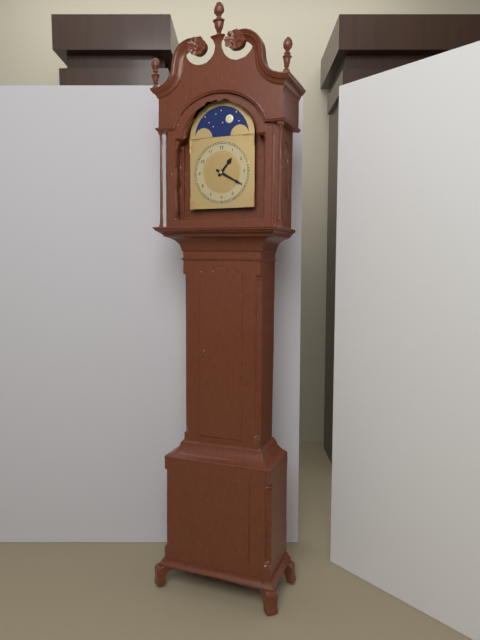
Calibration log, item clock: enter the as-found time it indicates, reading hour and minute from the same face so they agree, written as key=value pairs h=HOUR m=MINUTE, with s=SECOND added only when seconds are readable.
h=1 m=20
